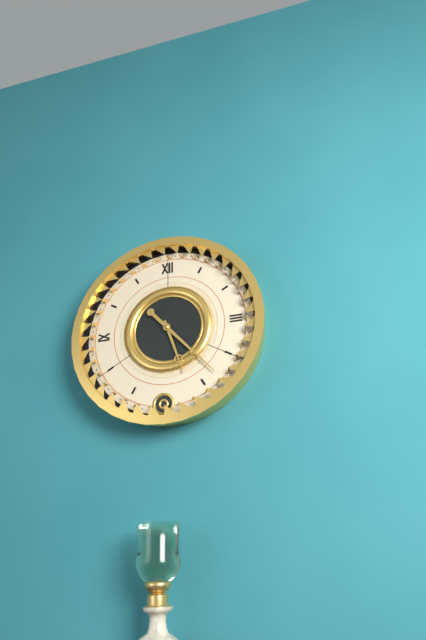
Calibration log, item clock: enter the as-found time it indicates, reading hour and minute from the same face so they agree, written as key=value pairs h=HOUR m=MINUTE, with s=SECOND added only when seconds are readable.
h=5 m=23
